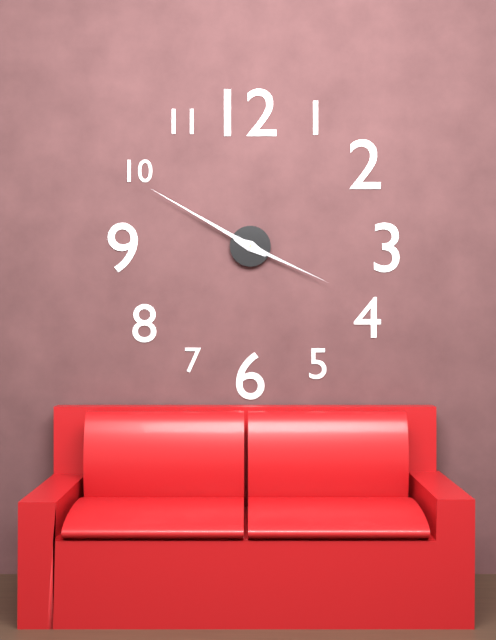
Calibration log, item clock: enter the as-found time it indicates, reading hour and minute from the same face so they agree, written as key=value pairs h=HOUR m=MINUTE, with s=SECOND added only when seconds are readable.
h=3 m=50
